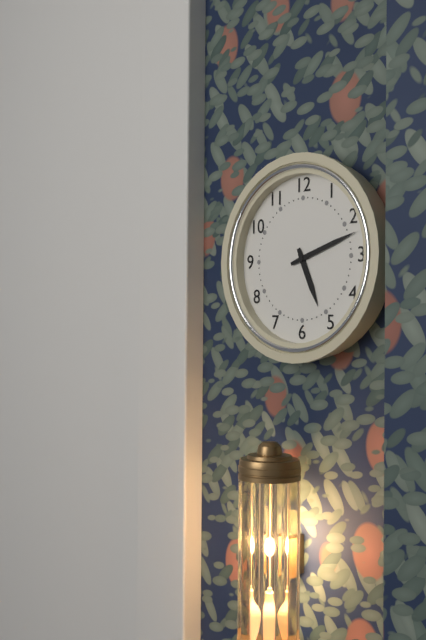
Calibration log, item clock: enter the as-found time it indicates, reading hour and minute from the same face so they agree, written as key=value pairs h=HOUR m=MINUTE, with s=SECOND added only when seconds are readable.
h=5 m=12
